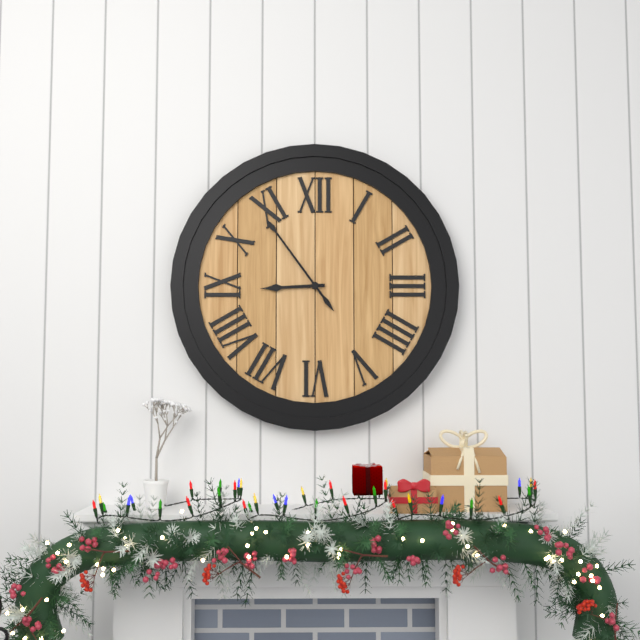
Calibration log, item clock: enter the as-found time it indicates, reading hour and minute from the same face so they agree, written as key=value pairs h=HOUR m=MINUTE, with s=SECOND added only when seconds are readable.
h=8 m=54
